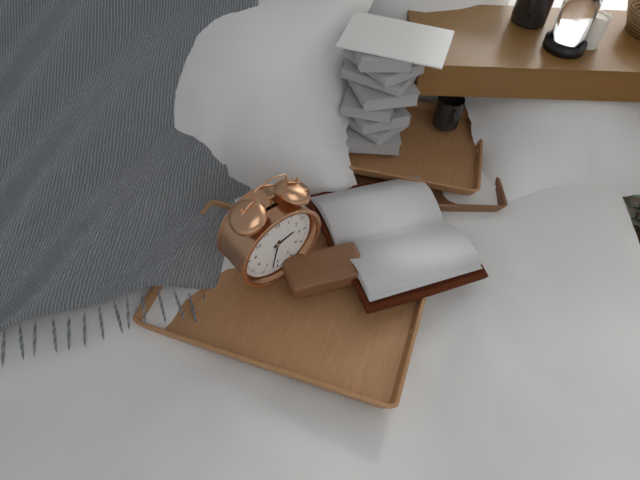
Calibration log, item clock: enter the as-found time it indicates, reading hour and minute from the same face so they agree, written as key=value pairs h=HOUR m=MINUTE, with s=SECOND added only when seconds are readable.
h=2 m=32
